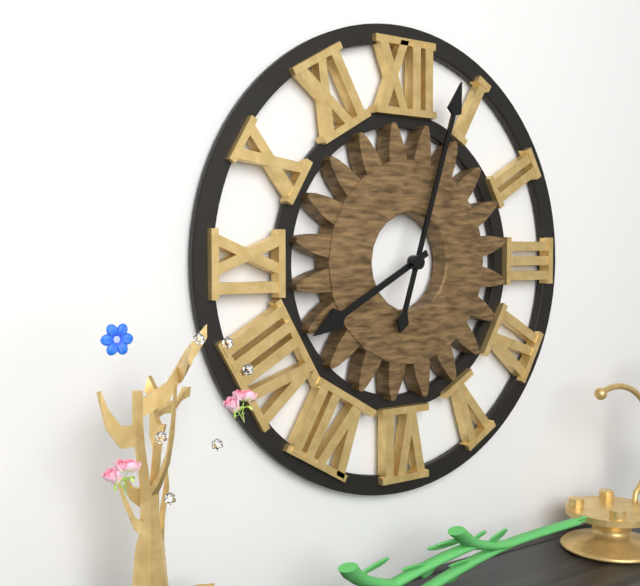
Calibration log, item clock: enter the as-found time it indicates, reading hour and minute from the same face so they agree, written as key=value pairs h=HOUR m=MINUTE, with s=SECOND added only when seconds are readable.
h=8 m=3
